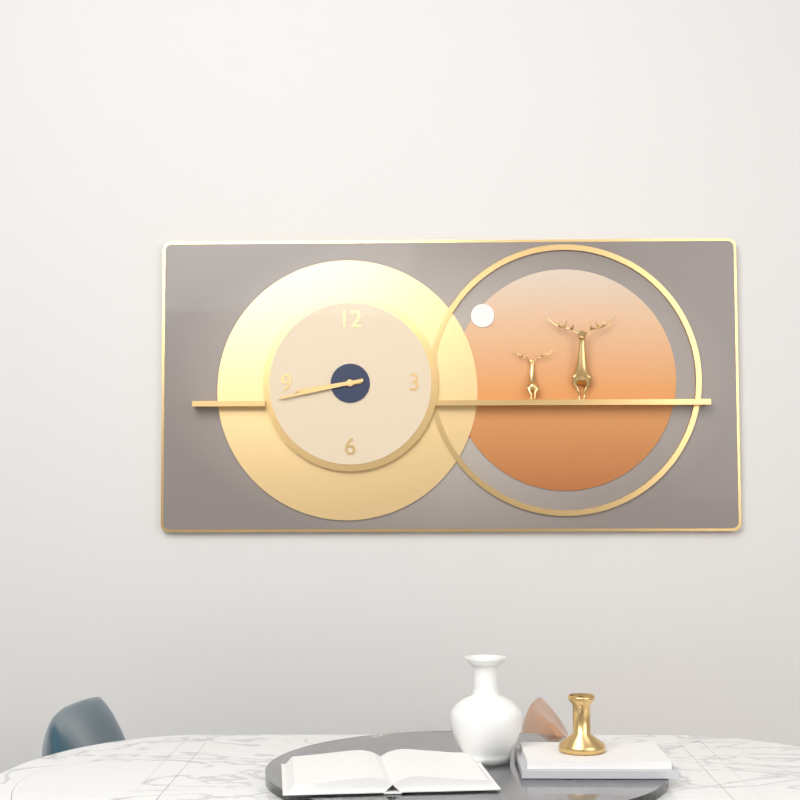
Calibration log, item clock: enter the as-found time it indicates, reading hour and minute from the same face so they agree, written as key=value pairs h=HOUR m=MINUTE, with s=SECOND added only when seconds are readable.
h=8 m=43
